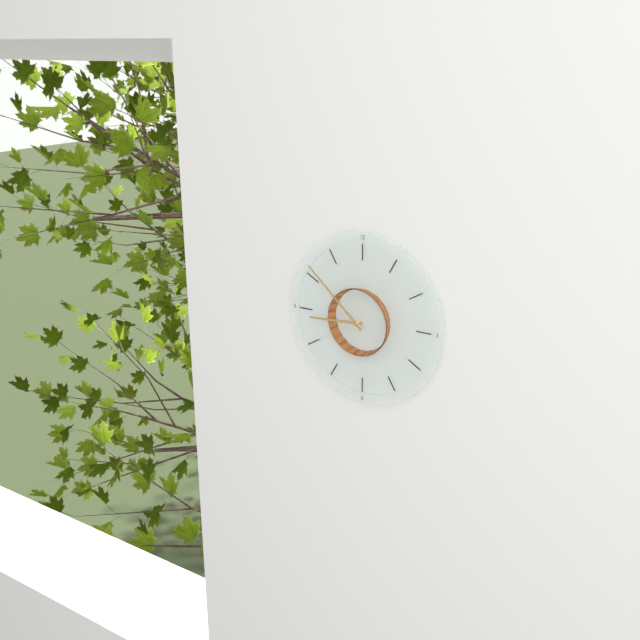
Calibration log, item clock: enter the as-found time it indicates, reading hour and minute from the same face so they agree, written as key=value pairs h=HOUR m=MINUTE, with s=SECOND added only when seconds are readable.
h=8 m=52
